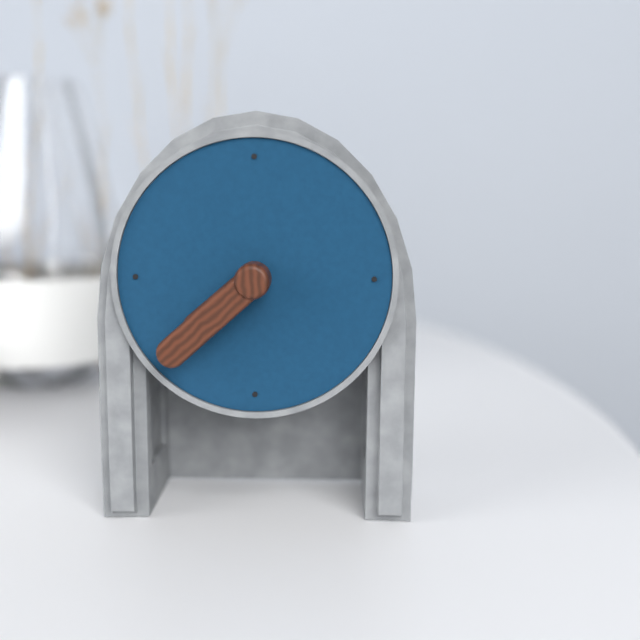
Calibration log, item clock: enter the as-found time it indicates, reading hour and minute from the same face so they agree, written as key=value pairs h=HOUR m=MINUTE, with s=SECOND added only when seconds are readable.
h=7 m=38
